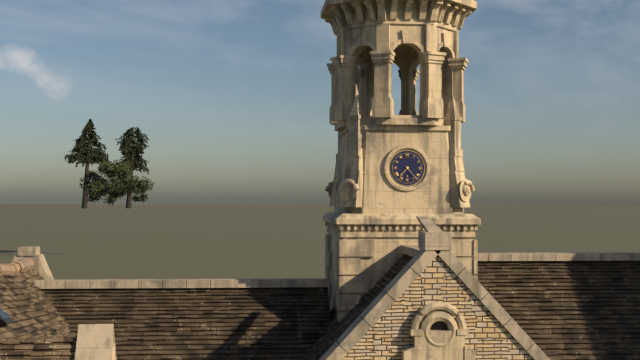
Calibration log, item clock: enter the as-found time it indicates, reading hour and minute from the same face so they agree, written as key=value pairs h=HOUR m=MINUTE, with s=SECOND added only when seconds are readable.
h=7 m=23
